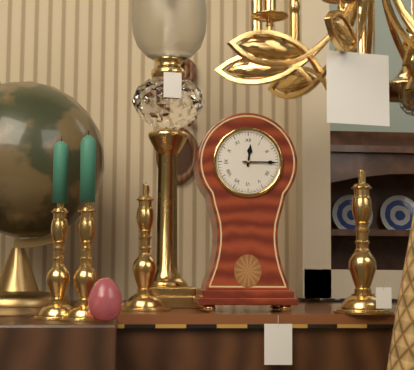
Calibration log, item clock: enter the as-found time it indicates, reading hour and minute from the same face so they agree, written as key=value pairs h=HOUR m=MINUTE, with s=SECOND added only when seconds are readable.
h=12 m=15
